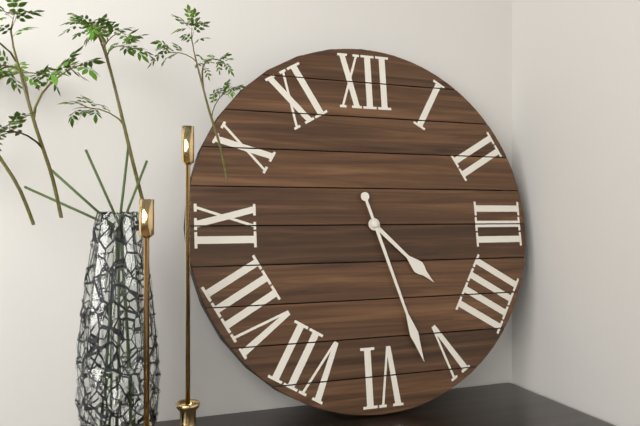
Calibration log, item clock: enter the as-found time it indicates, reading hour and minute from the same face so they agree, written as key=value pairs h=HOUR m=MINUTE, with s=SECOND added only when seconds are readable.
h=4 m=27
